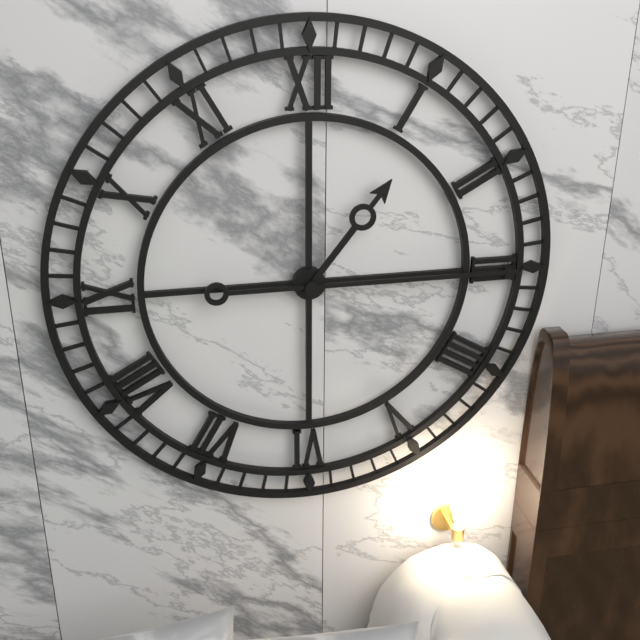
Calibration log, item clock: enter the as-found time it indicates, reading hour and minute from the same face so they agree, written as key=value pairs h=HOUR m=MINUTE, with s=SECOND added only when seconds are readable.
h=1 m=15
